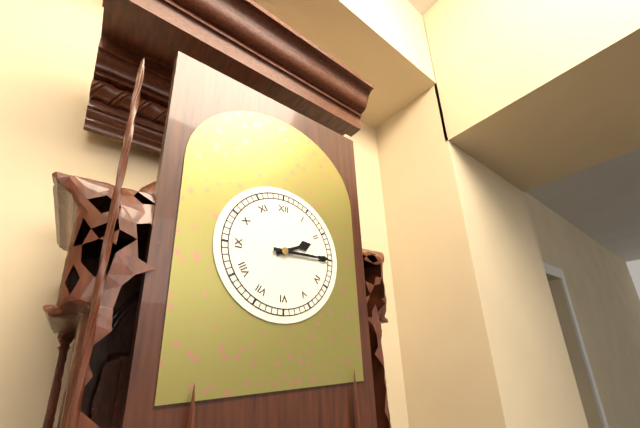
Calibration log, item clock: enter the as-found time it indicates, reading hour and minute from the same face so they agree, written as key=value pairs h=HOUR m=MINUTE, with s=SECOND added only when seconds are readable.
h=2 m=15
